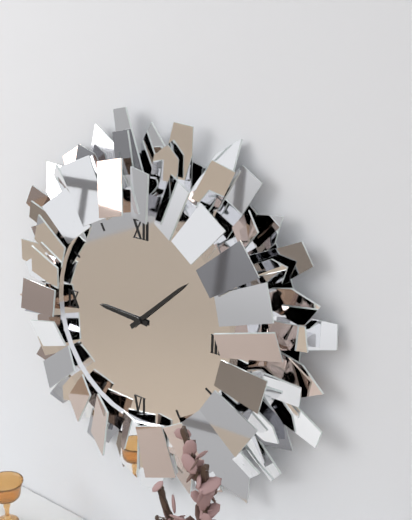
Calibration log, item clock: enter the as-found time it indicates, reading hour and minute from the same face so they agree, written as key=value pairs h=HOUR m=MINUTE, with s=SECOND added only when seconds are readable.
h=9 m=8
